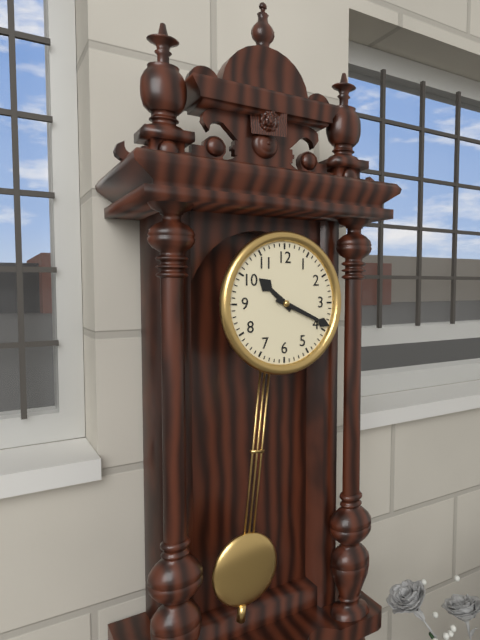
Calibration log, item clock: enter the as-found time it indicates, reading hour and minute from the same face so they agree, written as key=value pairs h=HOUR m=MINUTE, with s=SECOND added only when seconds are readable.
h=10 m=19
